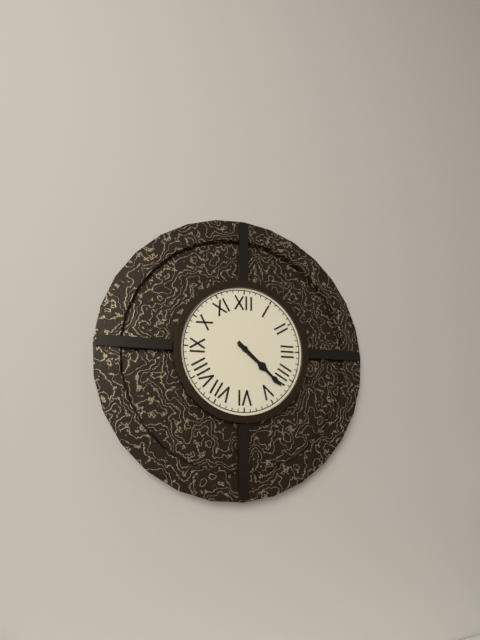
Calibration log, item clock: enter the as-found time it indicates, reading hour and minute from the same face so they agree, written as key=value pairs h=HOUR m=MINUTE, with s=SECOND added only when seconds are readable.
h=4 m=22
